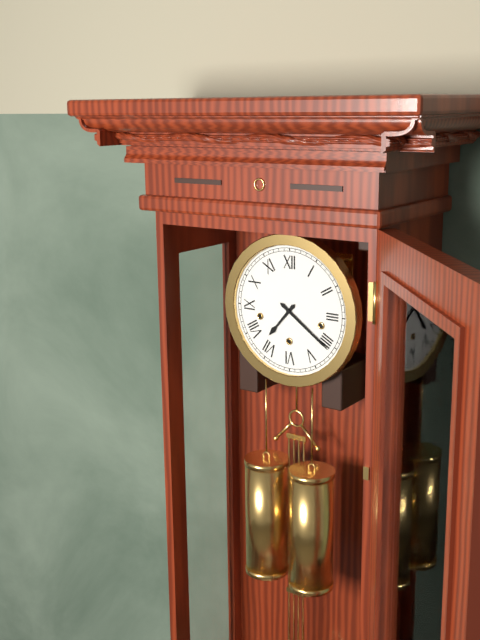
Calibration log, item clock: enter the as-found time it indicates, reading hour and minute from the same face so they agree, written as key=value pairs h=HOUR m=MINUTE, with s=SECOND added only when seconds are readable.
h=7 m=21
